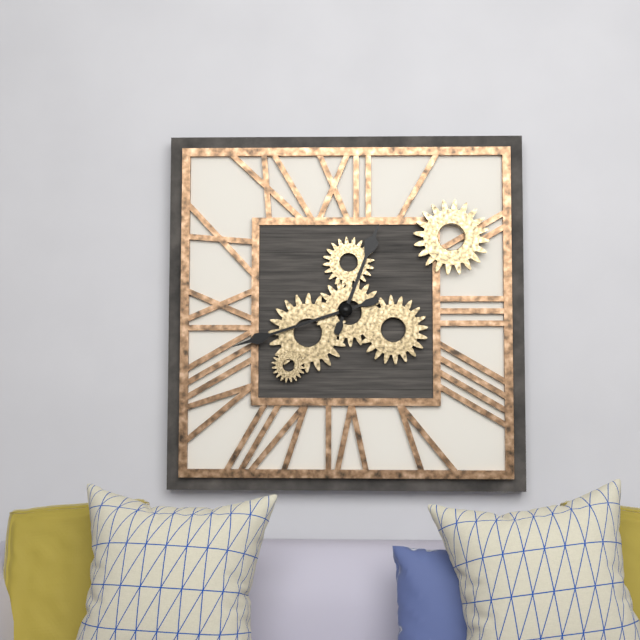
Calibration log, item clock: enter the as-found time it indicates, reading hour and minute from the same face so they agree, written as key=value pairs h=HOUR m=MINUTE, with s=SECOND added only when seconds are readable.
h=12 m=42
